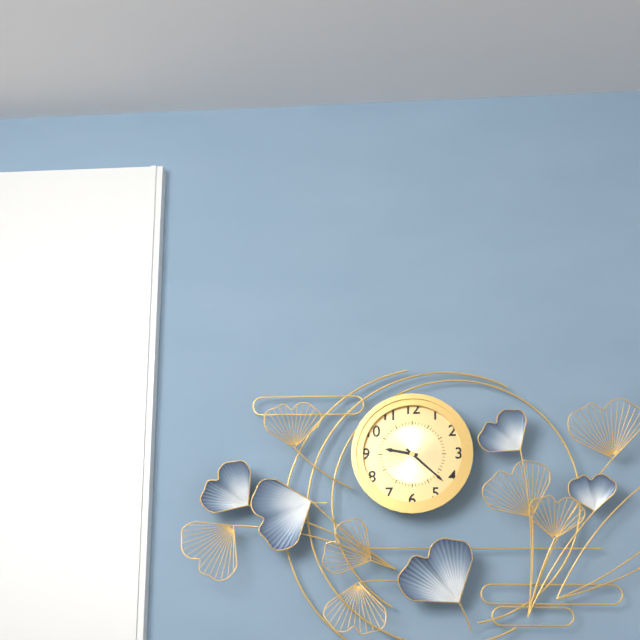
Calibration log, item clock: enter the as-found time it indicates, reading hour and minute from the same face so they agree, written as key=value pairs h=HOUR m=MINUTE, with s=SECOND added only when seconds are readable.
h=9 m=22
